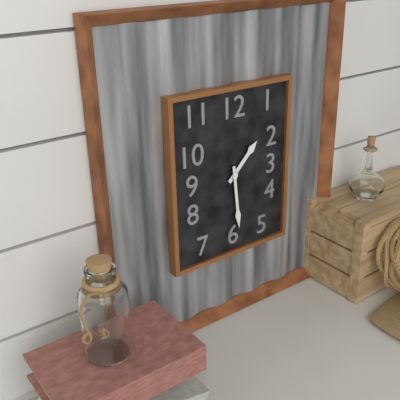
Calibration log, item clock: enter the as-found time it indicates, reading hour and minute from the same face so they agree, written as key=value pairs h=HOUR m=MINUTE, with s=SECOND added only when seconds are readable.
h=1 m=29
